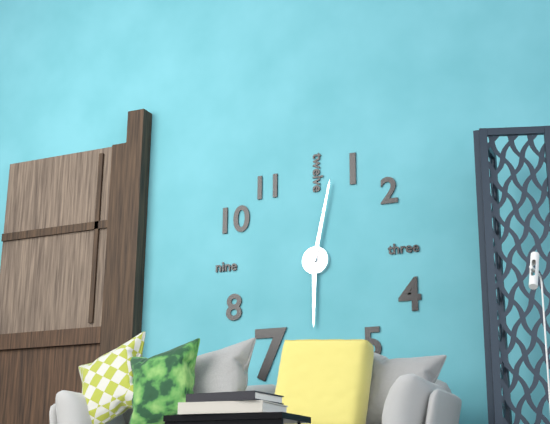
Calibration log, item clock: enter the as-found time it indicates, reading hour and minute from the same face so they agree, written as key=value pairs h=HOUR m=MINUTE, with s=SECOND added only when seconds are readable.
h=6 m=2
